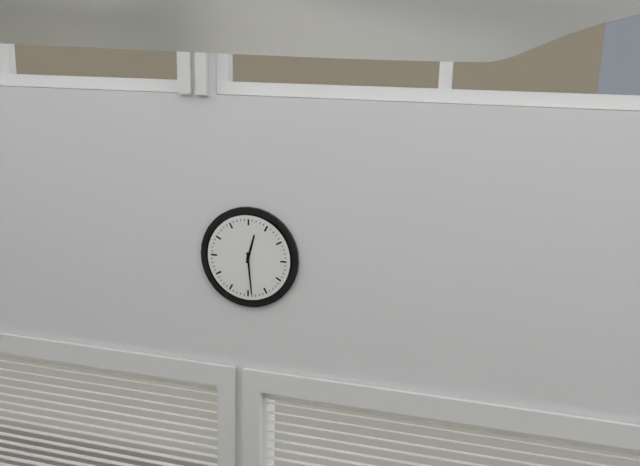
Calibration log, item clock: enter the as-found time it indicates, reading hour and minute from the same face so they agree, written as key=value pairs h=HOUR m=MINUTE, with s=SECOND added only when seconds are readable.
h=12 m=29
